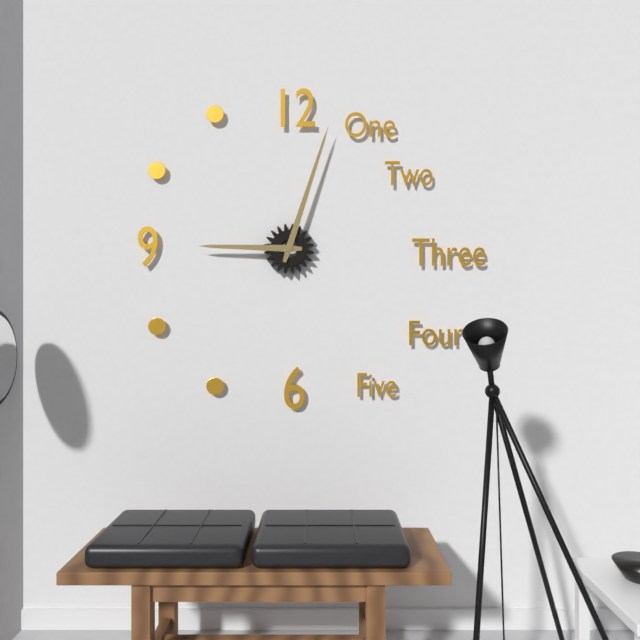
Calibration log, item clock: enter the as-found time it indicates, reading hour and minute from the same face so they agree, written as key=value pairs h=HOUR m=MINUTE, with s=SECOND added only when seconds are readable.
h=9 m=3
